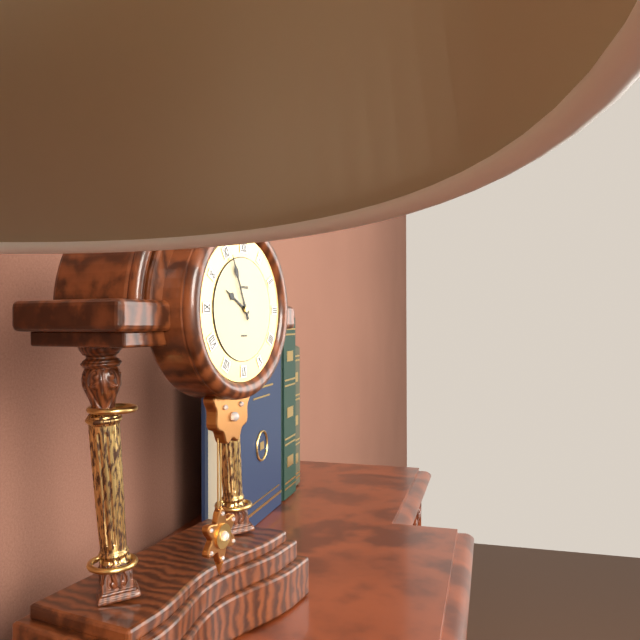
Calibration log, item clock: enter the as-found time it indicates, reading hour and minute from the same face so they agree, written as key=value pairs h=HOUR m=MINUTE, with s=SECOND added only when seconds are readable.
h=9 m=56
